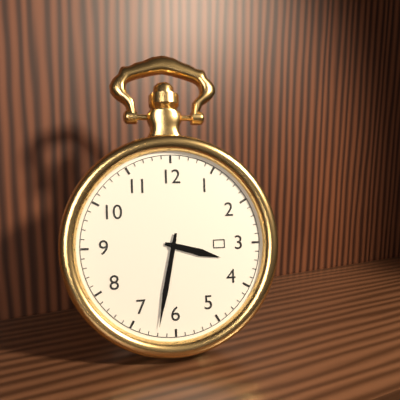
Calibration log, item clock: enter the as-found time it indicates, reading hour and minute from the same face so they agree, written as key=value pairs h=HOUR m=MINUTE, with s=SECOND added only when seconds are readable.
h=3 m=32
